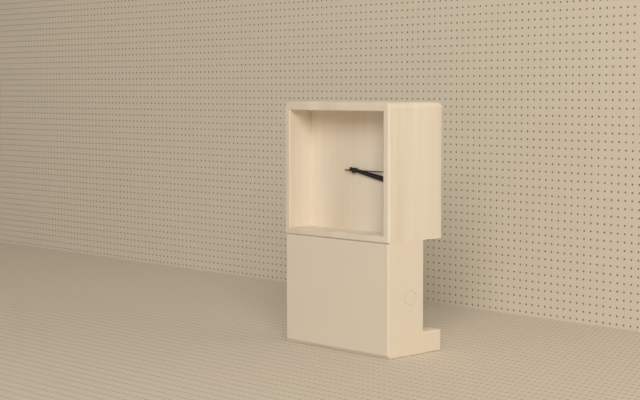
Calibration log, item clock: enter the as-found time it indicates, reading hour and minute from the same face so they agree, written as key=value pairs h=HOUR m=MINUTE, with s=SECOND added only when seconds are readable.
h=3 m=17
